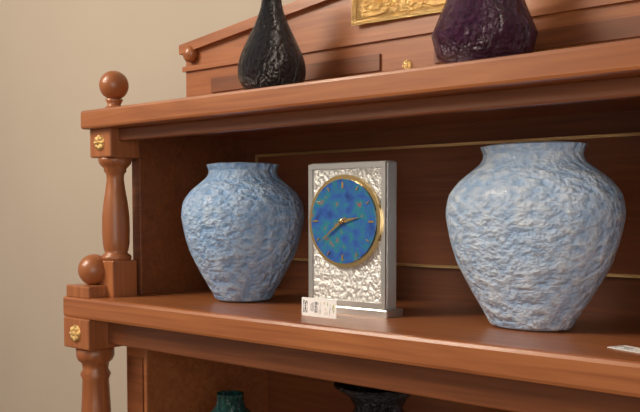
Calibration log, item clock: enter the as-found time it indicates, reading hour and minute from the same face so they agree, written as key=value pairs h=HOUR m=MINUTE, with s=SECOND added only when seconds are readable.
h=2 m=39
